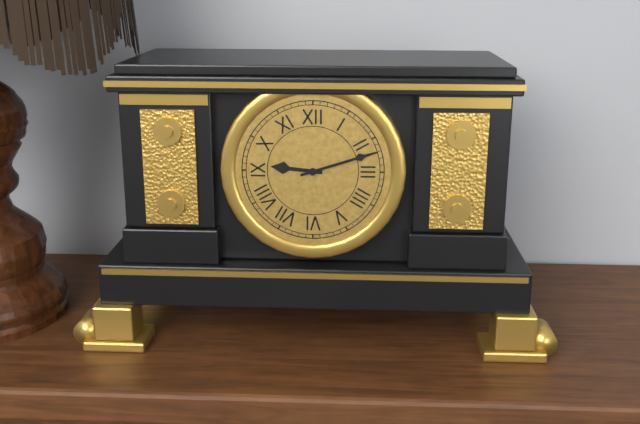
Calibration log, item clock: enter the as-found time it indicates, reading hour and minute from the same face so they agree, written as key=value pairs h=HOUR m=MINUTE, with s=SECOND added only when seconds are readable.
h=9 m=12
